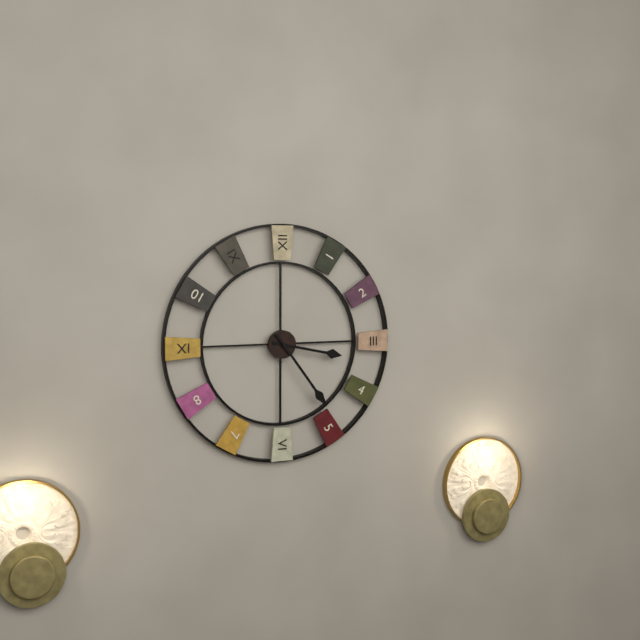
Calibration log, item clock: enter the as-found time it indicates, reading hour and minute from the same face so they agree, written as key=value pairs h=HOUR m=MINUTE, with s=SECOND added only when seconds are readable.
h=3 m=24
